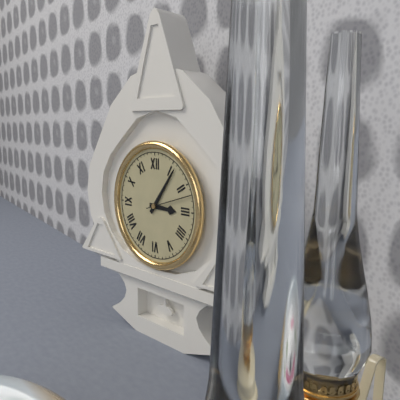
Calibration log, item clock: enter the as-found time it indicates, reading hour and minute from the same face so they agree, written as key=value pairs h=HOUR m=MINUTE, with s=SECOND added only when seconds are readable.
h=3 m=6
